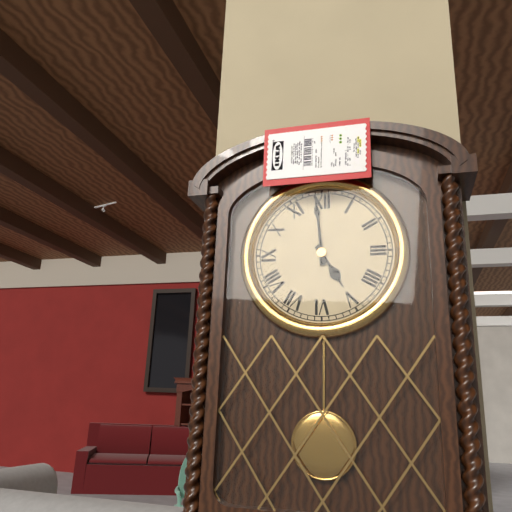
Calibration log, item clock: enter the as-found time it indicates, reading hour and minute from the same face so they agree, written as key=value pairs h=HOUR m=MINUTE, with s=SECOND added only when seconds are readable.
h=4 m=59
